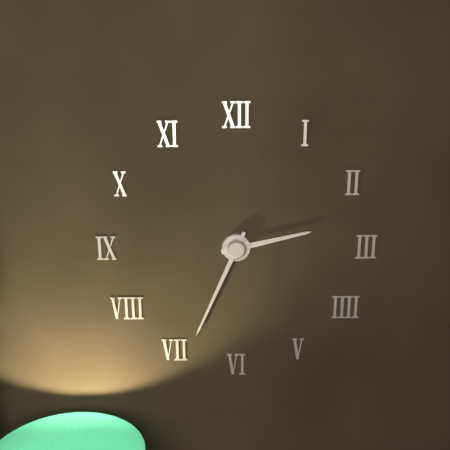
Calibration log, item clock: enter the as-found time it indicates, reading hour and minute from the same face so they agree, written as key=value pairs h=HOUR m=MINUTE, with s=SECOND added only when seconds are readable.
h=2 m=34
